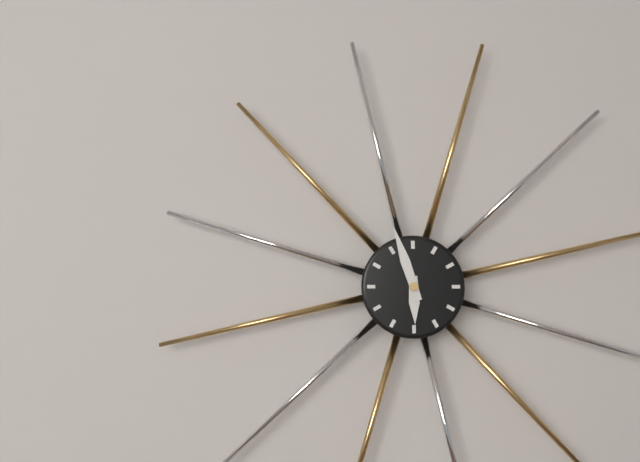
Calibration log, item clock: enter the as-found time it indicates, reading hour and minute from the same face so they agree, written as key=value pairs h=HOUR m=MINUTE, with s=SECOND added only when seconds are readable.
h=5 m=57
